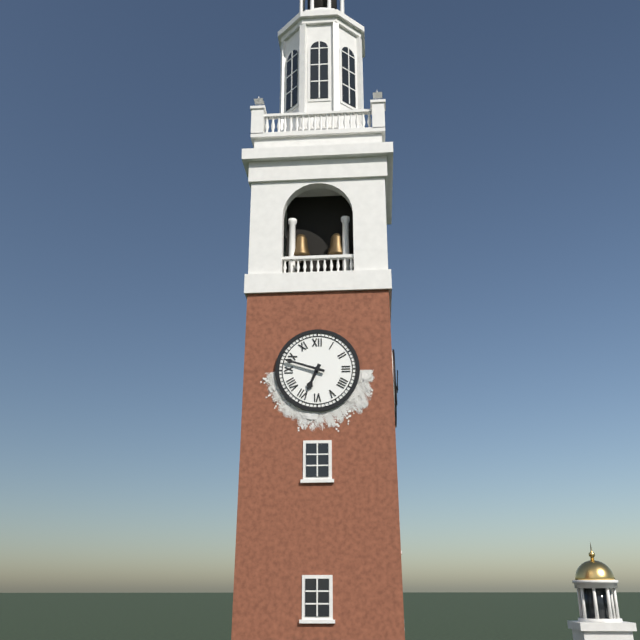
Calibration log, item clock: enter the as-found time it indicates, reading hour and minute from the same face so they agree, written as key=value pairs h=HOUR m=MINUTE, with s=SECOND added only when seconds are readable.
h=6 m=48
